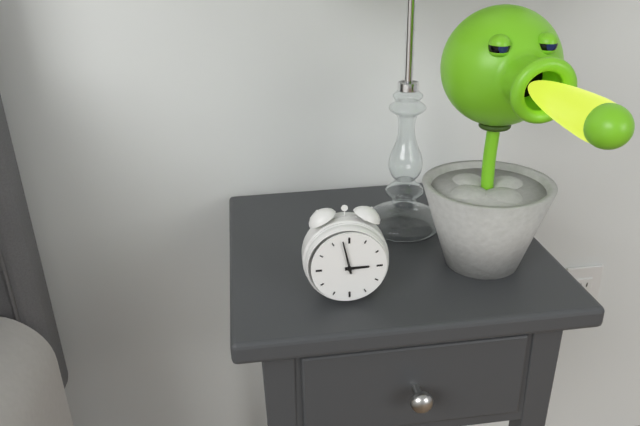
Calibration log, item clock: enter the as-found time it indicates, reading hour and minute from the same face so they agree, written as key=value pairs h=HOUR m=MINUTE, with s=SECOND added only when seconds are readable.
h=2 m=58
